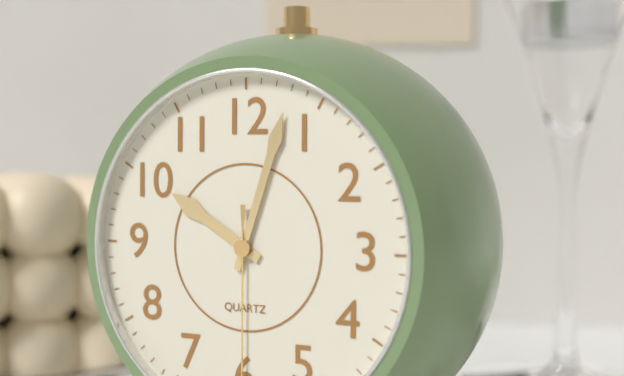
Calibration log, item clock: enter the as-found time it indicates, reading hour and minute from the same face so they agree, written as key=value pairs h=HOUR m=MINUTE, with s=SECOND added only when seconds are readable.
h=10 m=3
